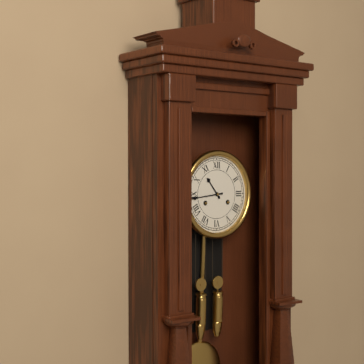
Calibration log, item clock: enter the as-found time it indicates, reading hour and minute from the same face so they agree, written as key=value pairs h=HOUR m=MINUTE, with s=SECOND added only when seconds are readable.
h=10 m=44
